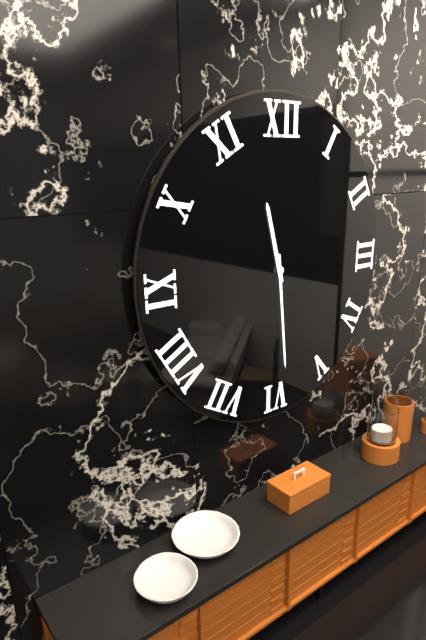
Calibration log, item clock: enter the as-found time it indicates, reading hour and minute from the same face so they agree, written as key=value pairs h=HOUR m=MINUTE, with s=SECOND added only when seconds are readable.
h=11 m=29
